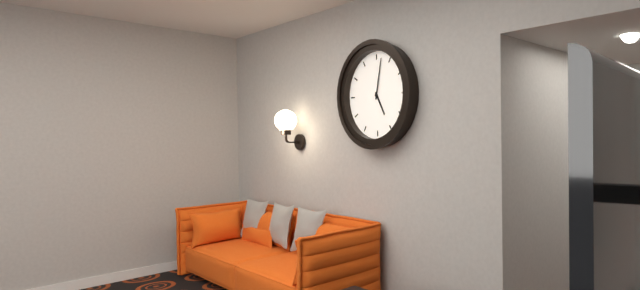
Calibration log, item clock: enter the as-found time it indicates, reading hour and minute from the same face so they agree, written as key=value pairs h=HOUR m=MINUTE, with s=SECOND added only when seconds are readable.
h=5 m=2
